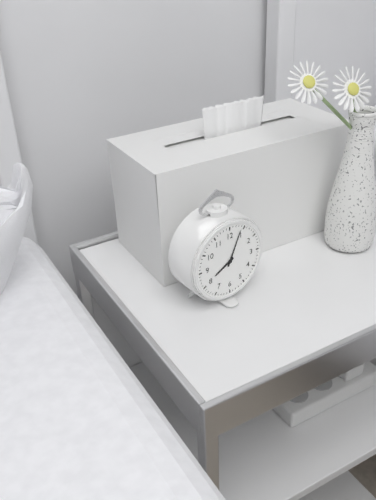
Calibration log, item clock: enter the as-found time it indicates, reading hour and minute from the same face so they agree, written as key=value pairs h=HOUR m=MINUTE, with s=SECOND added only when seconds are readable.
h=8 m=4
